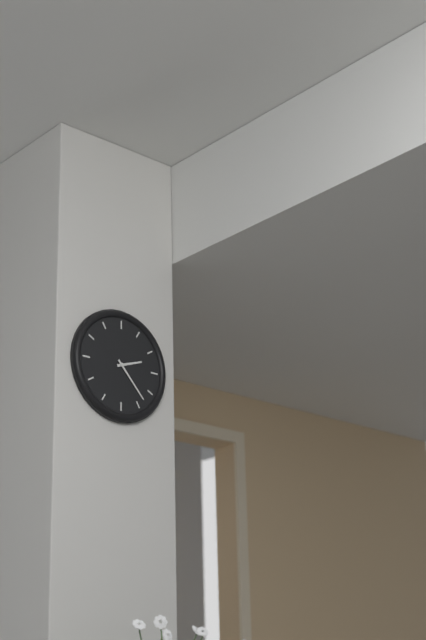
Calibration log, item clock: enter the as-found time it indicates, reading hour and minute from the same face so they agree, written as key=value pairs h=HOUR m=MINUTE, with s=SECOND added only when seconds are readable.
h=2 m=23
